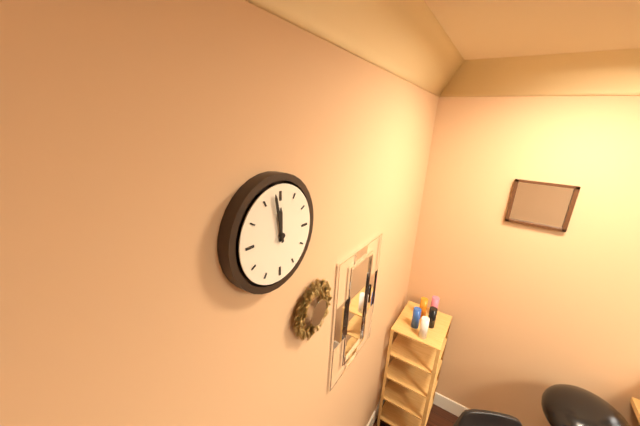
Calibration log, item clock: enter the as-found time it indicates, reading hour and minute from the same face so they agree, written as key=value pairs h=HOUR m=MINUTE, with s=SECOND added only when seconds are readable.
h=11 m=58
